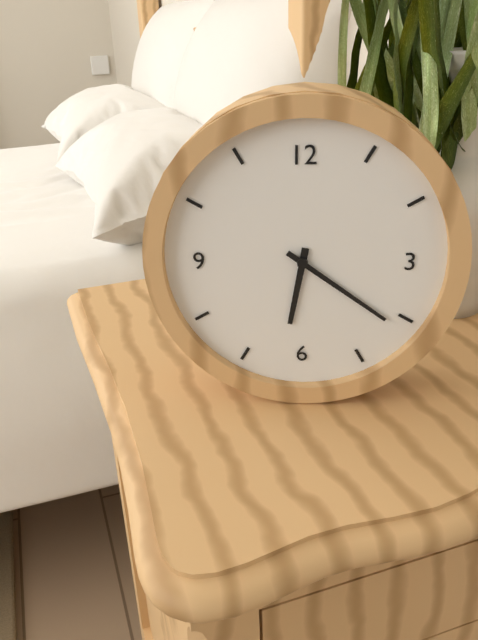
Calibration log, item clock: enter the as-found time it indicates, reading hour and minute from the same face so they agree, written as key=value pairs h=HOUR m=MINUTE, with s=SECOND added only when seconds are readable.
h=6 m=21
